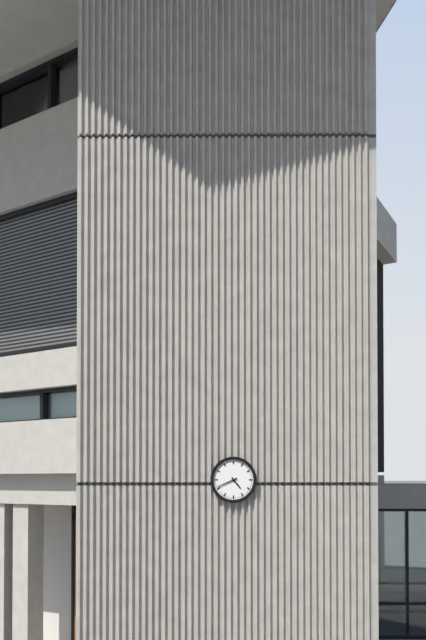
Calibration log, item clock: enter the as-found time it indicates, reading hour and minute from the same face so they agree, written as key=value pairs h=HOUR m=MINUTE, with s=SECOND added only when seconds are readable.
h=4 m=41
